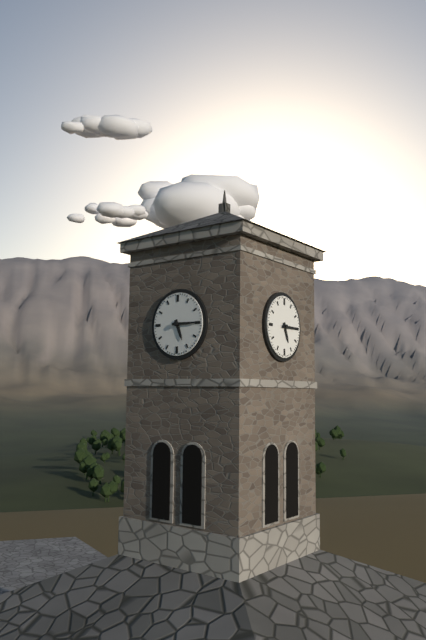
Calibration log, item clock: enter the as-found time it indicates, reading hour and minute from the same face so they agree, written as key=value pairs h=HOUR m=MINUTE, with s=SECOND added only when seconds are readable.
h=5 m=15
